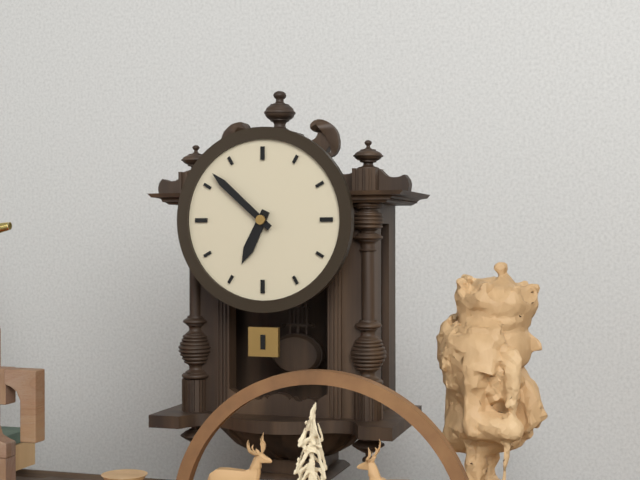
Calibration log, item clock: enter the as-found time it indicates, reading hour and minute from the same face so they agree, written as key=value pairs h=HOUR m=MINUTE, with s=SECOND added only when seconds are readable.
h=6 m=52
